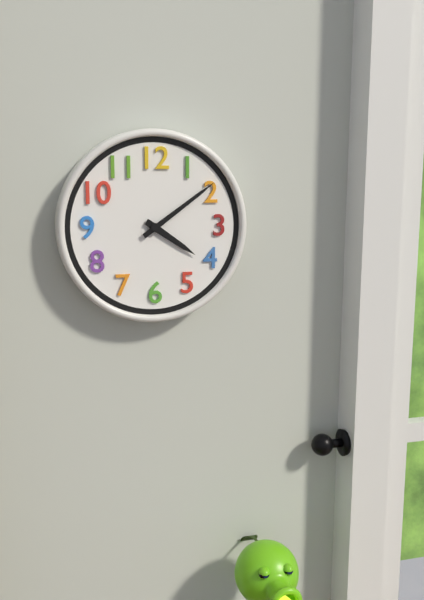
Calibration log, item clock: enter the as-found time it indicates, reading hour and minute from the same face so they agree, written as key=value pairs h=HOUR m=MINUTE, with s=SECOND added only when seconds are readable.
h=4 m=9
